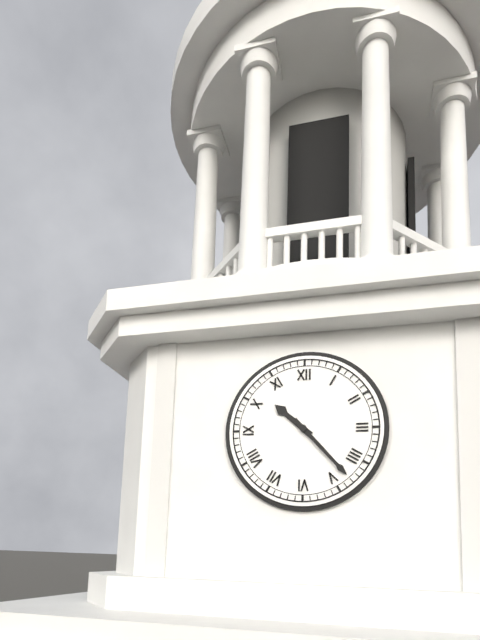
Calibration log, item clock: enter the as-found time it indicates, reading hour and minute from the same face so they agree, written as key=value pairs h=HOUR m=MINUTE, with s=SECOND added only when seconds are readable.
h=10 m=23
